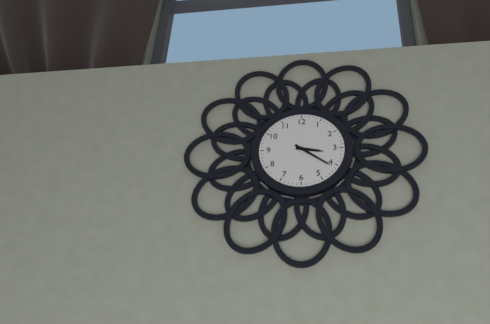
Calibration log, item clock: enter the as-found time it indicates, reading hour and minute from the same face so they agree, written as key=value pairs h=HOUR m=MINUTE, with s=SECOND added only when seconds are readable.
h=3 m=21
